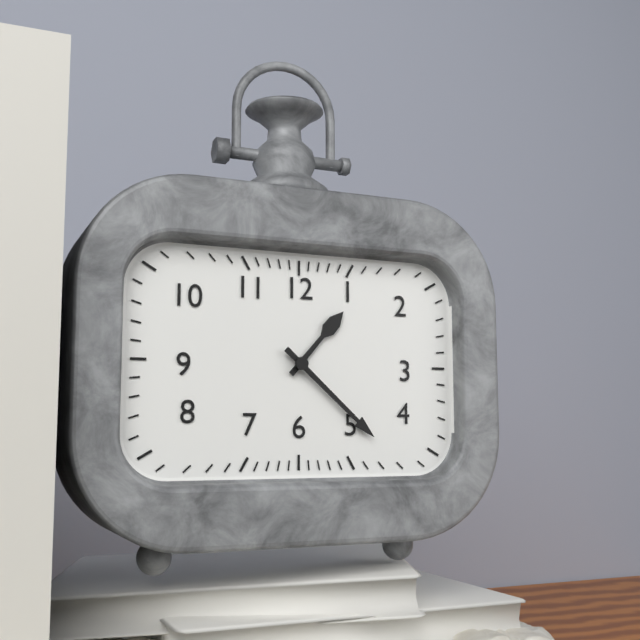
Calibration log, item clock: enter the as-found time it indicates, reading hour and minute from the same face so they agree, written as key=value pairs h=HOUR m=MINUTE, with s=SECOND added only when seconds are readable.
h=1 m=22
